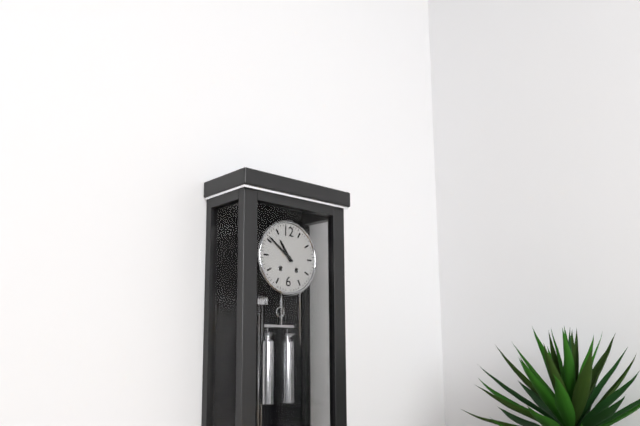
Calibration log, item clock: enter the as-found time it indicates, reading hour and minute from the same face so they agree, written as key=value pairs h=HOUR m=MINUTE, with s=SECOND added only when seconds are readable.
h=10 m=51
